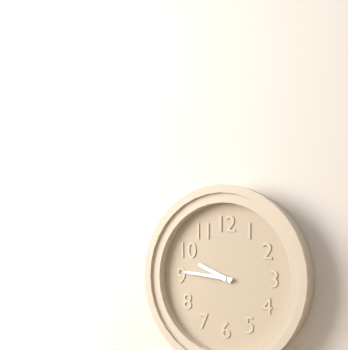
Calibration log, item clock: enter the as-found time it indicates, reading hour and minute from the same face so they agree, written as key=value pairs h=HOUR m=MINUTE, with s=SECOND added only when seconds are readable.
h=9 m=46
